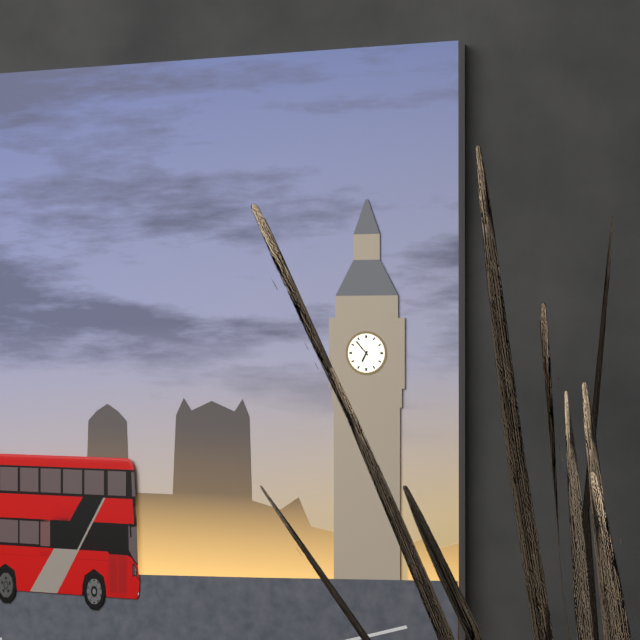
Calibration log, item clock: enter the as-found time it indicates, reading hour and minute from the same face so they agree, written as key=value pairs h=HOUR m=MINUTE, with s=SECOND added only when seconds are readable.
h=6 m=53
